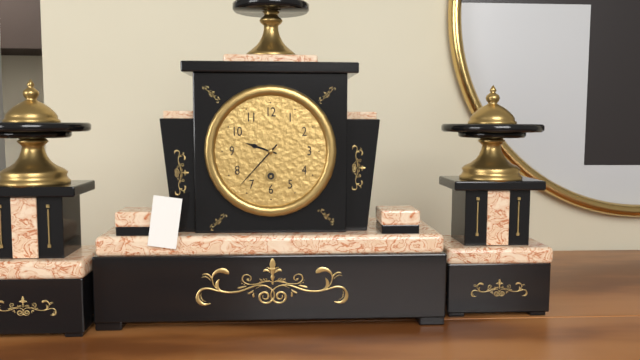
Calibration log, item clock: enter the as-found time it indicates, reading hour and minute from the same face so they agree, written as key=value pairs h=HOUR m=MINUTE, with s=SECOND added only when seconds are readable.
h=9 m=37
